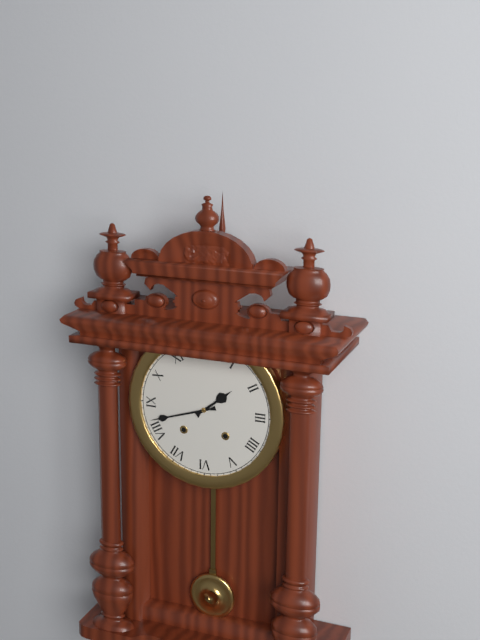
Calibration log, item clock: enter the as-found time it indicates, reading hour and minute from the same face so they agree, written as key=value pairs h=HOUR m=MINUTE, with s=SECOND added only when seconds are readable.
h=1 m=42
